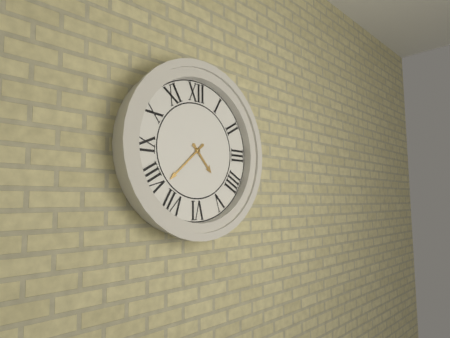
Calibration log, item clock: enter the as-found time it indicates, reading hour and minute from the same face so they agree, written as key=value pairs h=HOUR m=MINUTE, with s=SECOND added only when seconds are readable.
h=4 m=38
